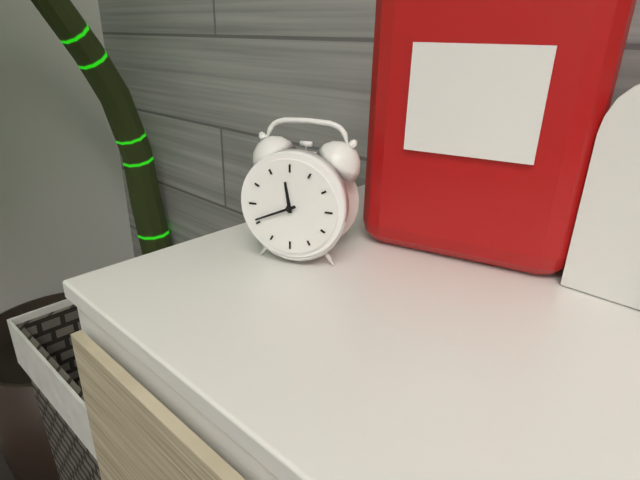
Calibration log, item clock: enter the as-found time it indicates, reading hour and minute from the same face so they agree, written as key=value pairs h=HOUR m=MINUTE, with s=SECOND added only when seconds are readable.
h=11 m=41
